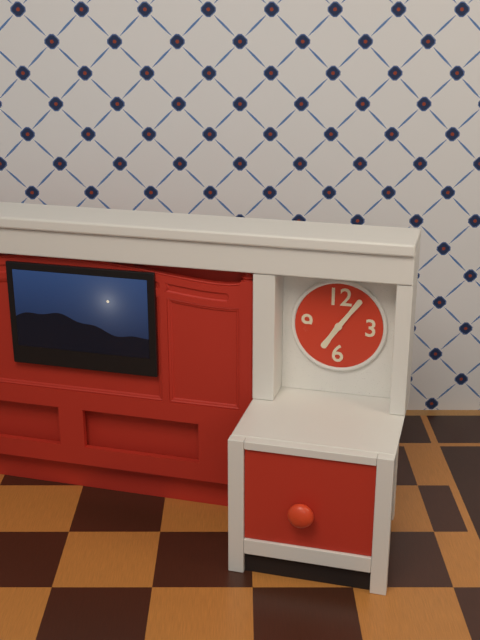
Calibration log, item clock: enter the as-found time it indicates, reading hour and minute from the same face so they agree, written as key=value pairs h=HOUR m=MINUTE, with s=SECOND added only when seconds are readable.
h=7 m=6
